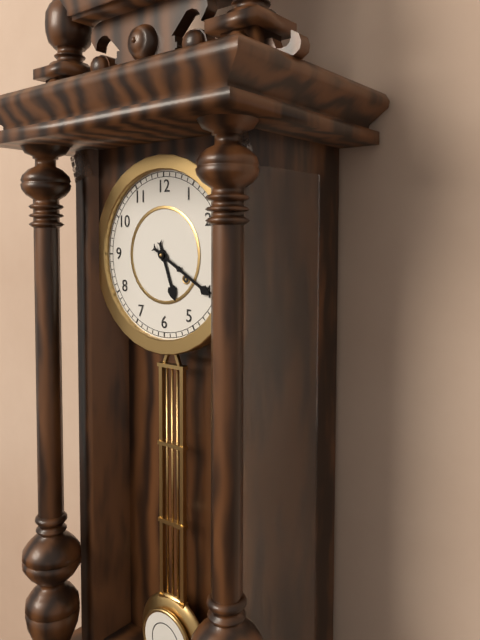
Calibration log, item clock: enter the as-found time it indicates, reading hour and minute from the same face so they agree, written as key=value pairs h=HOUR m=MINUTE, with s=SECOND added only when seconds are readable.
h=5 m=20
